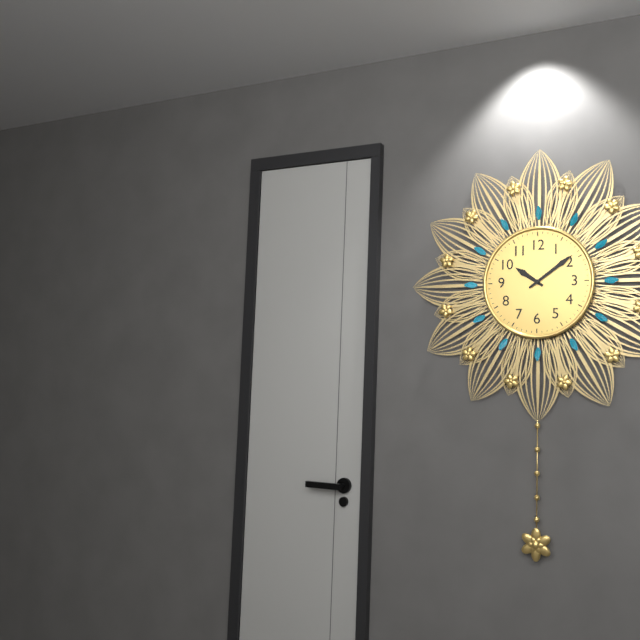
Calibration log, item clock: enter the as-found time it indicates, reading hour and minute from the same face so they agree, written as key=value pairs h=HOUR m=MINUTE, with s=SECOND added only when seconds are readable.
h=10 m=9
